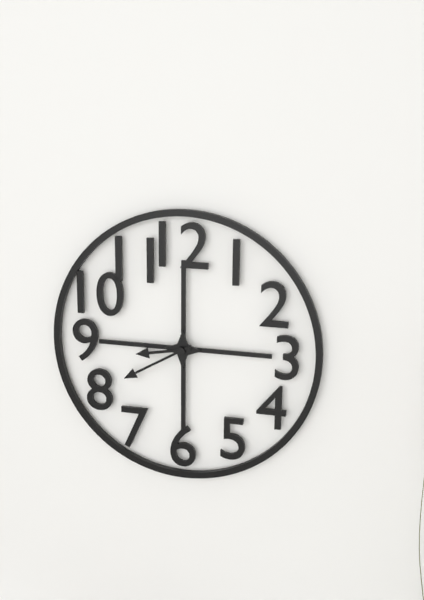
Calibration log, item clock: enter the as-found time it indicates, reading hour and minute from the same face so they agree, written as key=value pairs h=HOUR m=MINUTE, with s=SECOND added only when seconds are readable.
h=8 m=40
